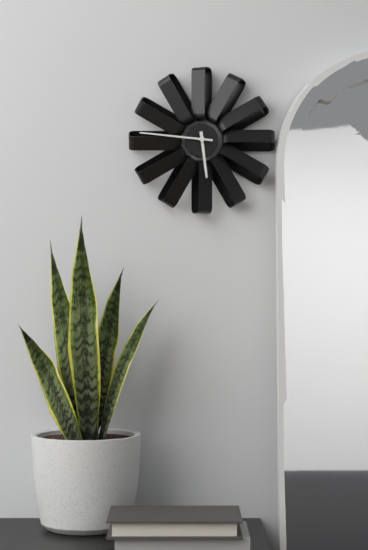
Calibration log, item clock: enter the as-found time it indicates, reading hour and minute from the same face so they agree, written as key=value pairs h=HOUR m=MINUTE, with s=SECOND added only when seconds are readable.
h=5 m=46
